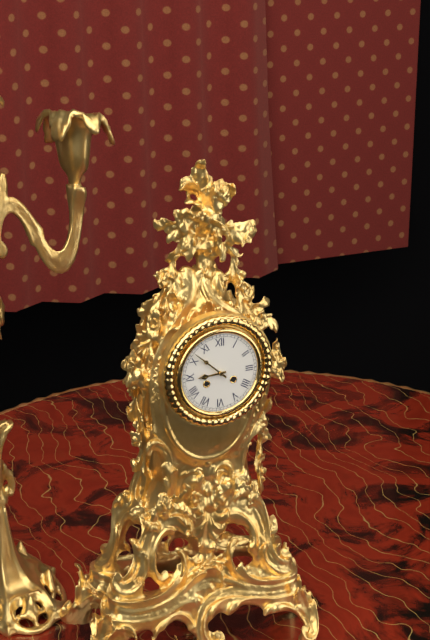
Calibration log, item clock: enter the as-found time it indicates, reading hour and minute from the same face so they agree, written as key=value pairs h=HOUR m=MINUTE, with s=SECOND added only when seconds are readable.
h=8 m=52
